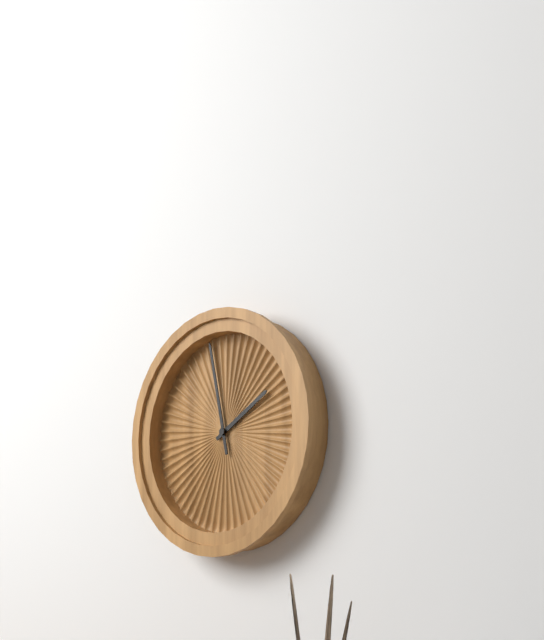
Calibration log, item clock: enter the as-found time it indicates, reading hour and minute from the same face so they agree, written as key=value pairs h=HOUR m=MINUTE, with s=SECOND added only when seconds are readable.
h=1 m=58
